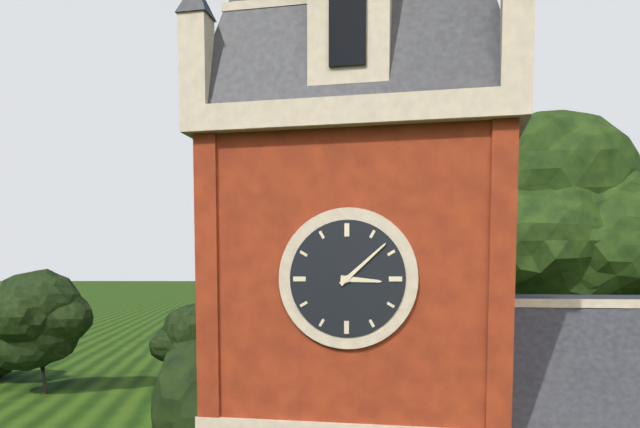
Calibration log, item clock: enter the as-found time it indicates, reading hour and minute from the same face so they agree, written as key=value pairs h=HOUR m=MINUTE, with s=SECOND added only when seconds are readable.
h=3 m=8
